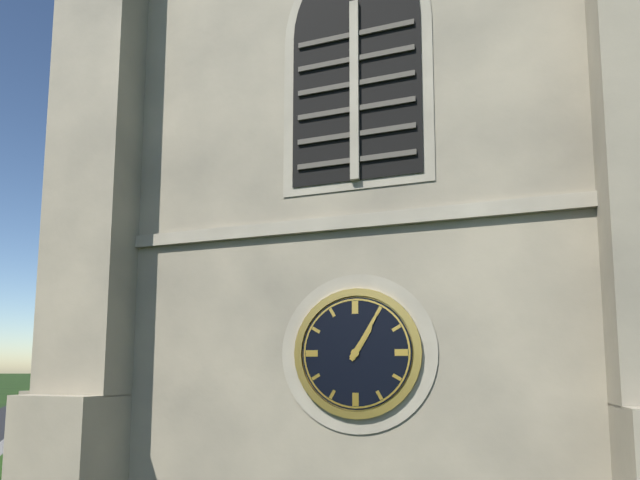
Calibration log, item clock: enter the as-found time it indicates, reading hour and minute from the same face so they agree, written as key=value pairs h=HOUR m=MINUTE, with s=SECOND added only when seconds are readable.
h=1 m=5
